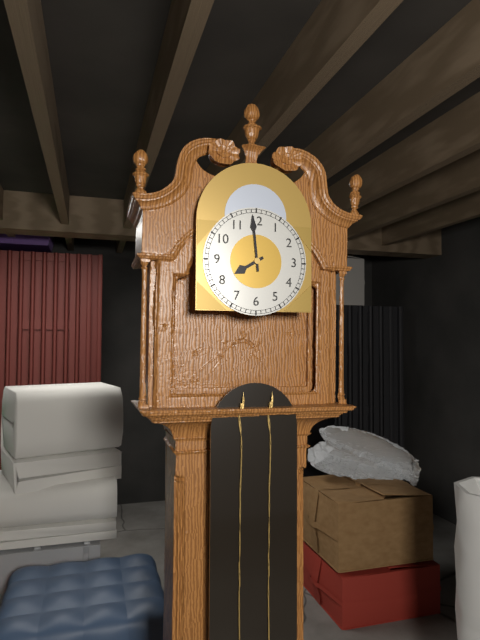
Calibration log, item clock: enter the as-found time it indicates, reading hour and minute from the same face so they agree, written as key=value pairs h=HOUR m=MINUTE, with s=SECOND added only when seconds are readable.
h=7 m=59
